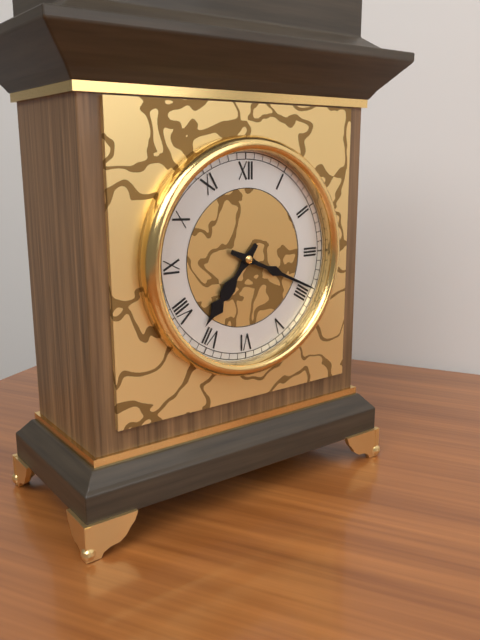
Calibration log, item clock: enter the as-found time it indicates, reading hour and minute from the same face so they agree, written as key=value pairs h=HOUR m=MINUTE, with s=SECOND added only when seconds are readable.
h=7 m=19
